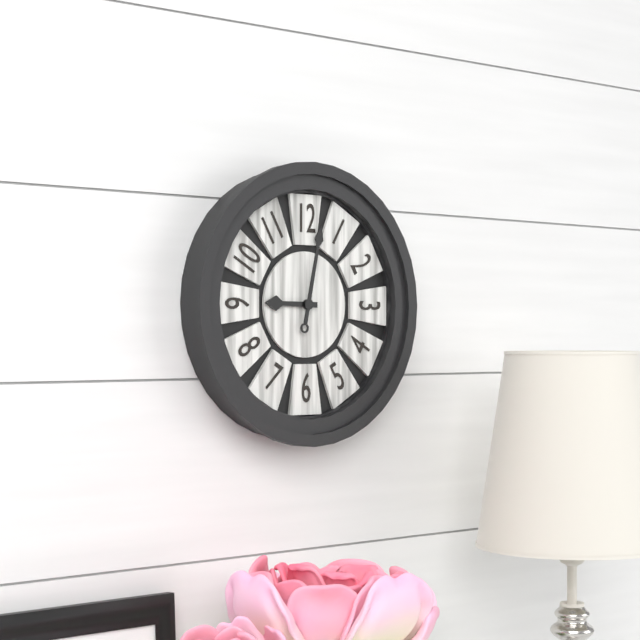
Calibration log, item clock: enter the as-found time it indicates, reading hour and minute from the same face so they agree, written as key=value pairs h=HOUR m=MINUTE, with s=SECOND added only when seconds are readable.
h=9 m=2
